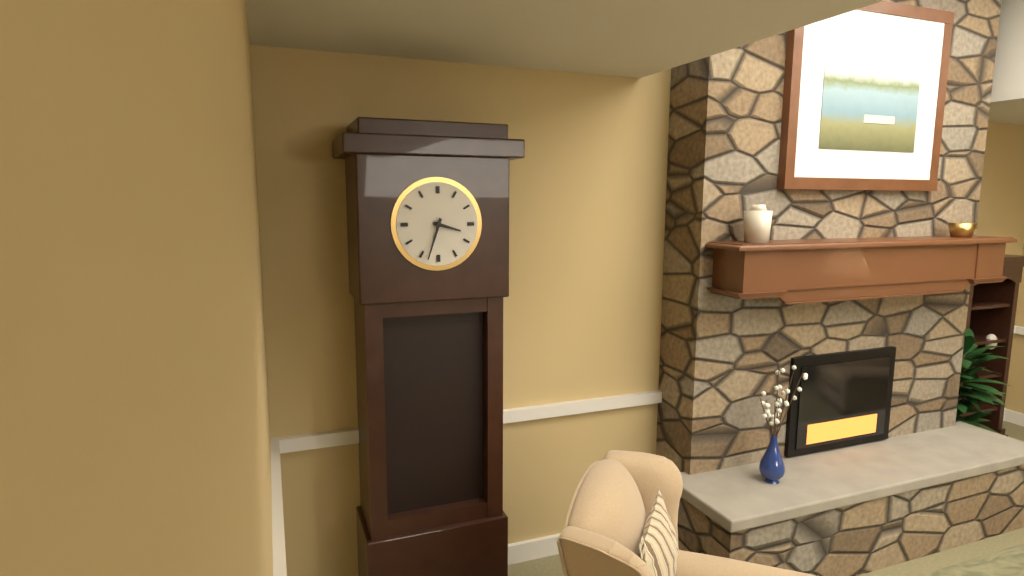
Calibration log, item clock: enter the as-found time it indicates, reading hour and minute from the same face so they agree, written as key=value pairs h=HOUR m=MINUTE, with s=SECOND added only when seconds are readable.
h=3 m=33
